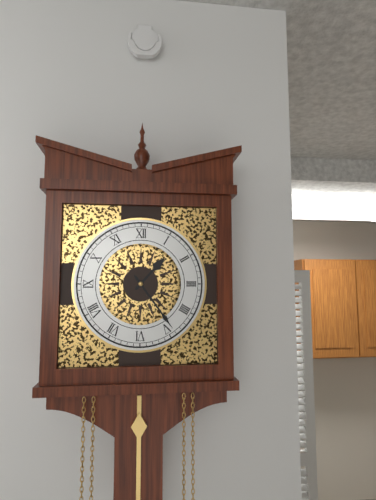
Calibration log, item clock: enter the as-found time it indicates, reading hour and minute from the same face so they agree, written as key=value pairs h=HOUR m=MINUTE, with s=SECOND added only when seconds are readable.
h=1 m=24
